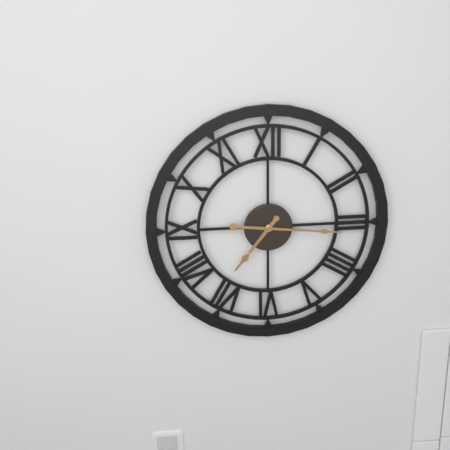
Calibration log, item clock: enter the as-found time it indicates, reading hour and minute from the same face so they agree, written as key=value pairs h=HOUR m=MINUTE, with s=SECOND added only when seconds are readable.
h=7 m=16
